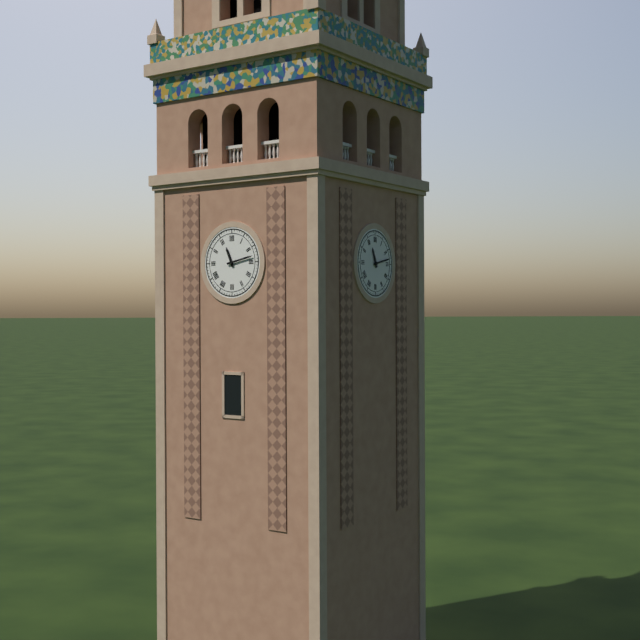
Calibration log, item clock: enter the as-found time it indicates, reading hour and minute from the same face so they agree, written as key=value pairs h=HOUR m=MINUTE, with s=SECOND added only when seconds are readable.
h=11 m=13
